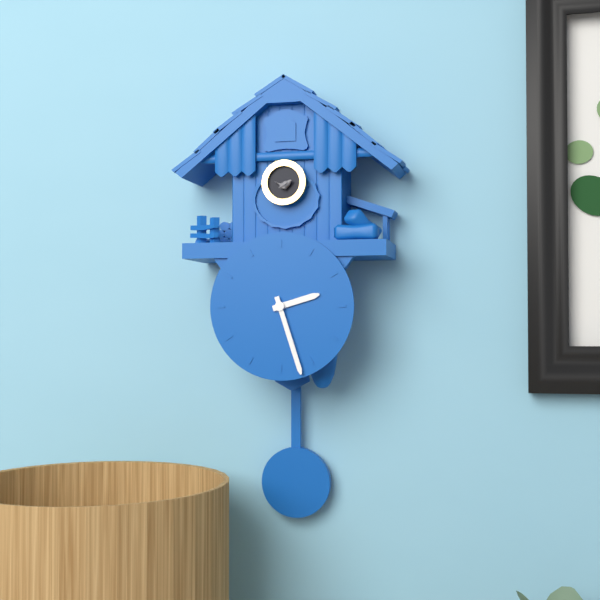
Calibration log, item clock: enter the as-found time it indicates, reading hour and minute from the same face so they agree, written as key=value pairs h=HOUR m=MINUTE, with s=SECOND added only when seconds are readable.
h=2 m=27
